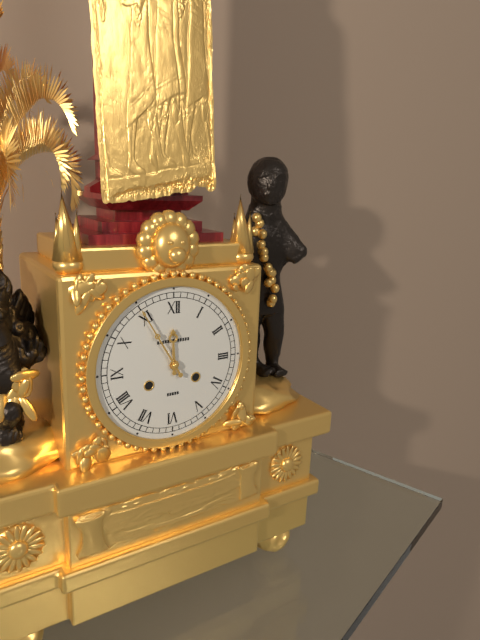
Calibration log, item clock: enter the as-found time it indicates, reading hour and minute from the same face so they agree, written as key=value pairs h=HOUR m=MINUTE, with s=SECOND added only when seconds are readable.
h=11 m=55
